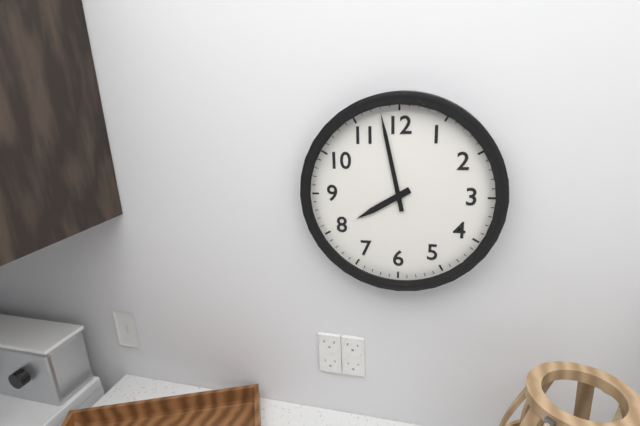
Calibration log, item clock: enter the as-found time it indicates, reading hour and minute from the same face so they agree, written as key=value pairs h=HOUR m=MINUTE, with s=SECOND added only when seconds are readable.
h=7 m=58
